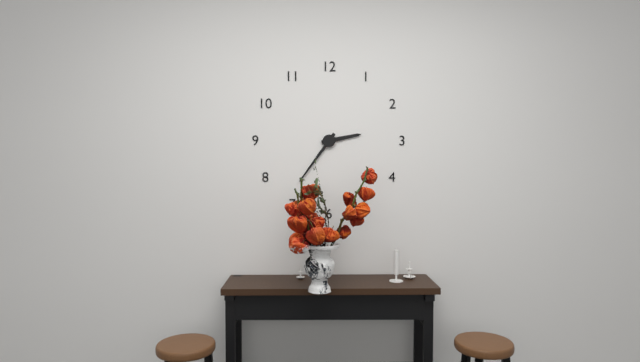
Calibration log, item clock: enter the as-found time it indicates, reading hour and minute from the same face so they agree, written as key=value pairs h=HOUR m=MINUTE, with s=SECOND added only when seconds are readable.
h=2 m=36
